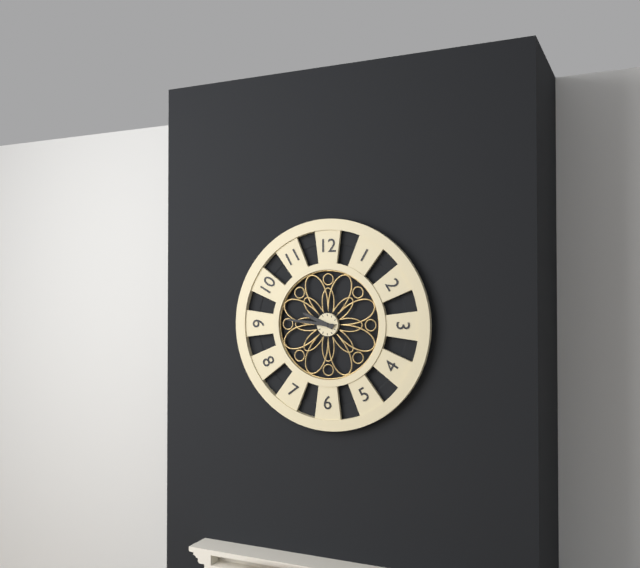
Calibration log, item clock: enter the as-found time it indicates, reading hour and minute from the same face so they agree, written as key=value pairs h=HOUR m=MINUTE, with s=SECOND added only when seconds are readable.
h=9 m=46
